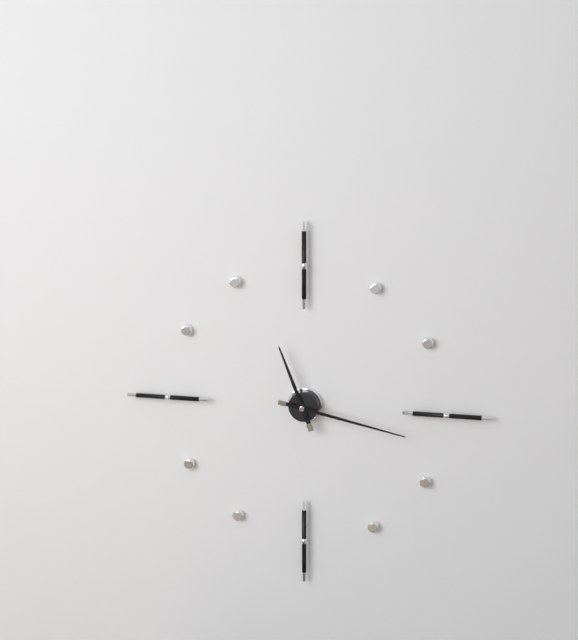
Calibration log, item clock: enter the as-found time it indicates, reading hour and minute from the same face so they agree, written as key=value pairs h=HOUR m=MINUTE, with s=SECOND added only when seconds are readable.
h=11 m=17
